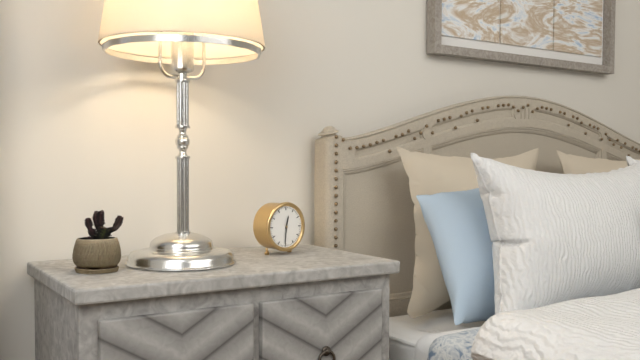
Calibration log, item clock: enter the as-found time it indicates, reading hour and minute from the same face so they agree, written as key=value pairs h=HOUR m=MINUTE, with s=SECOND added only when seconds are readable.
h=12 m=31
